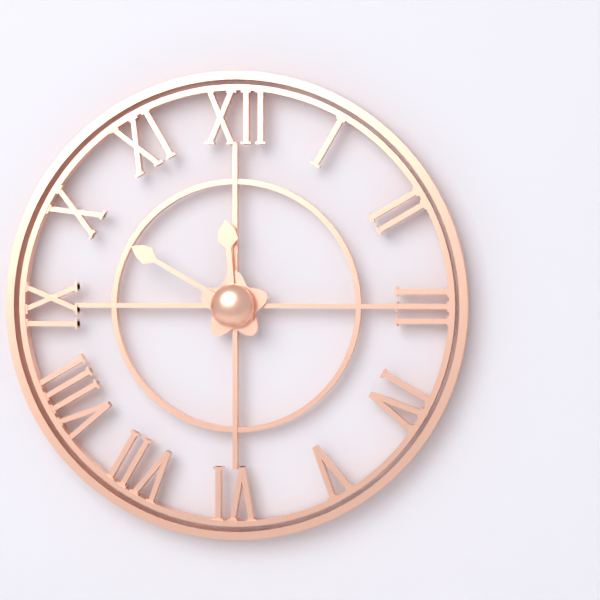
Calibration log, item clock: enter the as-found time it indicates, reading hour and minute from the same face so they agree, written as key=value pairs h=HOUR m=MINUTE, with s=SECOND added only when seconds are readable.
h=11 m=50
